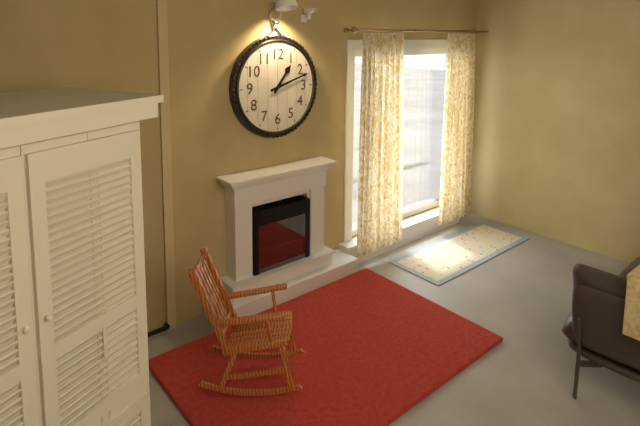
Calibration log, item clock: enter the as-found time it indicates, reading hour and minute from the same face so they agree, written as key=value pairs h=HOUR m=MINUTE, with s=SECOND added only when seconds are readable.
h=1 m=12
